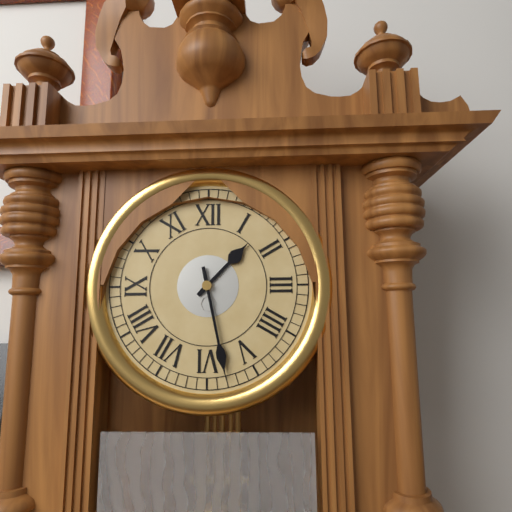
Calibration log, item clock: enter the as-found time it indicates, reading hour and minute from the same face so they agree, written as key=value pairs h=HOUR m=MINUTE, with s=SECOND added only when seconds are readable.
h=1 m=28
